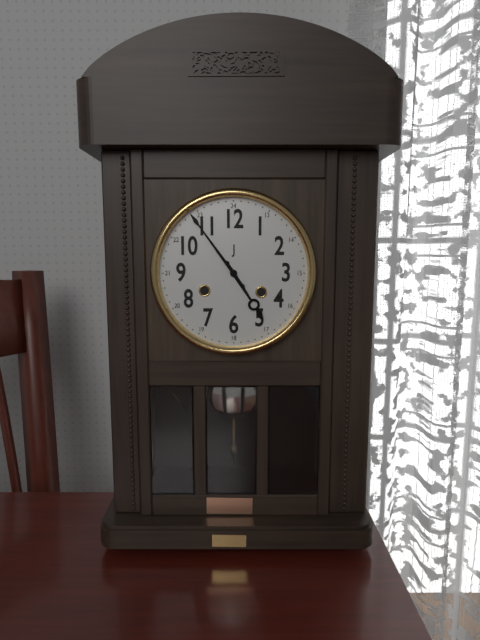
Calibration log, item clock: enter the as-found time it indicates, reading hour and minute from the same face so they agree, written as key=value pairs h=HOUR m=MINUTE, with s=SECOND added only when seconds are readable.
h=4 m=54
